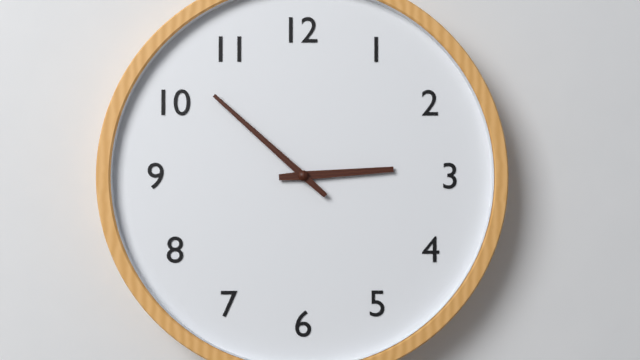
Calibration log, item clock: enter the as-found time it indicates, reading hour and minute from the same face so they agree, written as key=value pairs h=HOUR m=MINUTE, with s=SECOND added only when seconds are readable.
h=2 m=52
